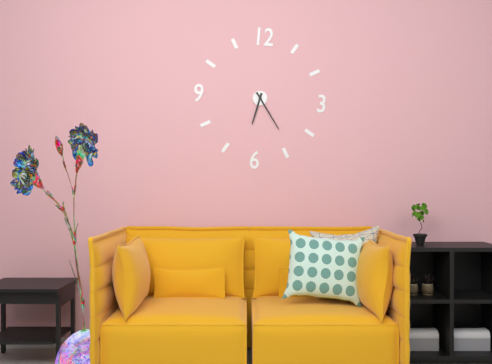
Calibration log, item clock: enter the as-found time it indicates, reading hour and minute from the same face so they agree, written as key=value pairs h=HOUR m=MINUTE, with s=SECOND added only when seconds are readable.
h=6 m=24
